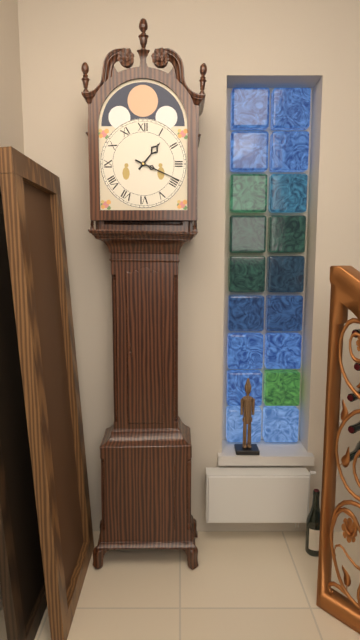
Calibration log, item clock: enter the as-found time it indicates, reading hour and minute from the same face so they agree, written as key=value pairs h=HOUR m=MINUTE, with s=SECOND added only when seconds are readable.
h=1 m=19
